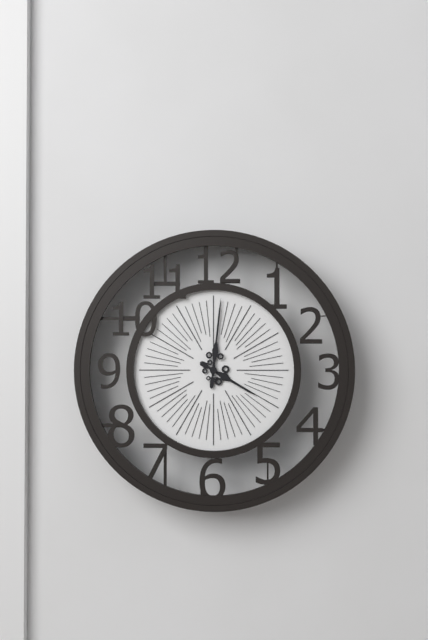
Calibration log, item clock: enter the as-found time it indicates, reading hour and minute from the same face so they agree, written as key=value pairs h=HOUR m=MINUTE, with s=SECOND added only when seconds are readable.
h=4 m=1
